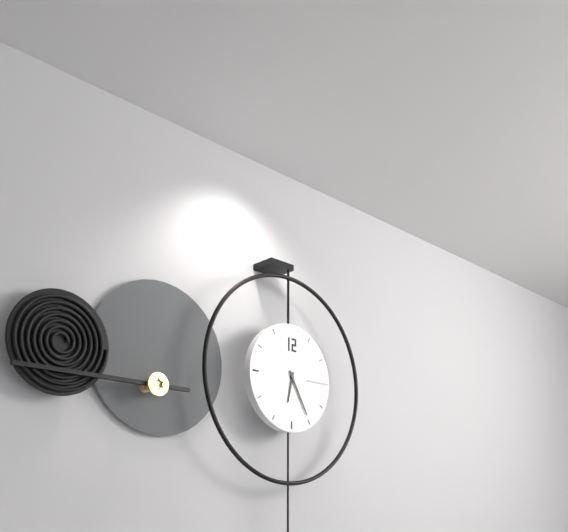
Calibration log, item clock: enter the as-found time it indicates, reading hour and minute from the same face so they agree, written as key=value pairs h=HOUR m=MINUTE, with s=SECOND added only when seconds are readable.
h=6 m=25
